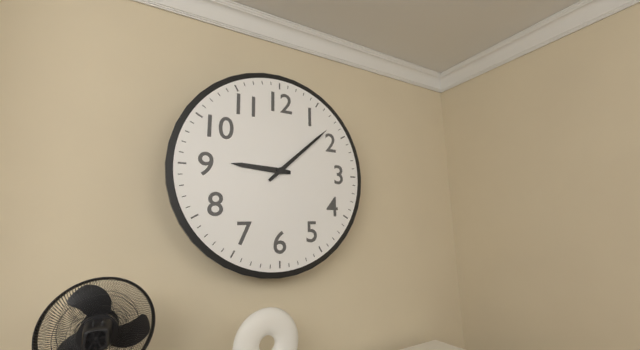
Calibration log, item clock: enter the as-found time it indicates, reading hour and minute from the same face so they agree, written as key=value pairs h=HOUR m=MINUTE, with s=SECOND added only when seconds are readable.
h=9 m=8
